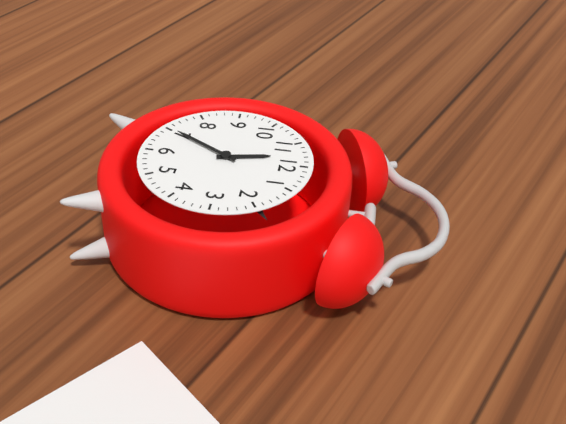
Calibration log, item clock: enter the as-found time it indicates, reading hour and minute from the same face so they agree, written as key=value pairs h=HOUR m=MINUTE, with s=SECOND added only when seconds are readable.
h=11 m=35
